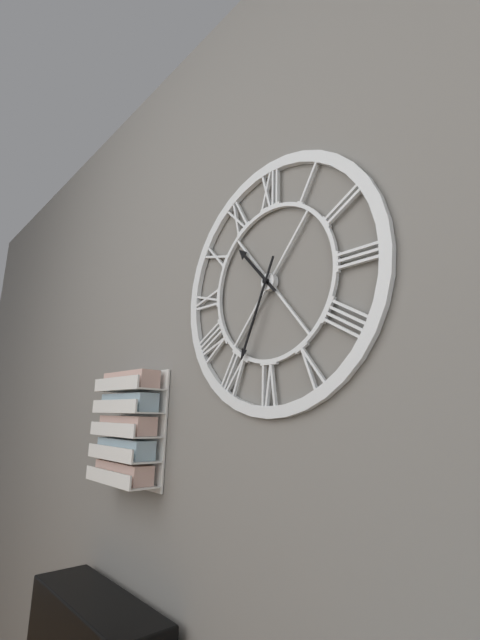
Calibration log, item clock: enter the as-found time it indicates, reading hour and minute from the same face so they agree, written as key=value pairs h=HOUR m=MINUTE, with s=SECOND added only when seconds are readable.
h=10 m=34
